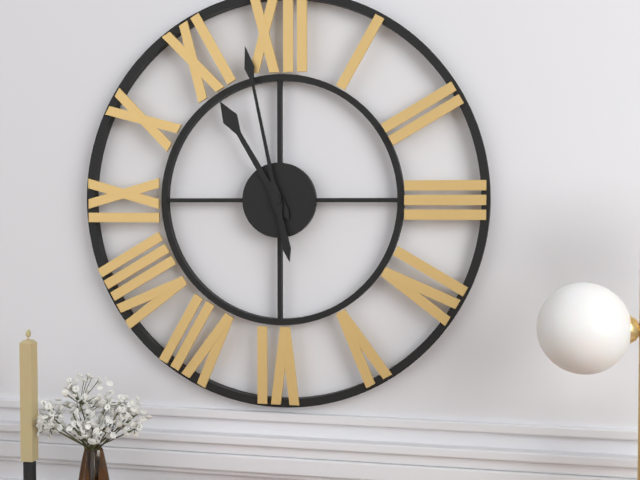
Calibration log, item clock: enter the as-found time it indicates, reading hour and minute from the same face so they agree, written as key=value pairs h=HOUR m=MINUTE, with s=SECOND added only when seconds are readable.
h=10 m=58
